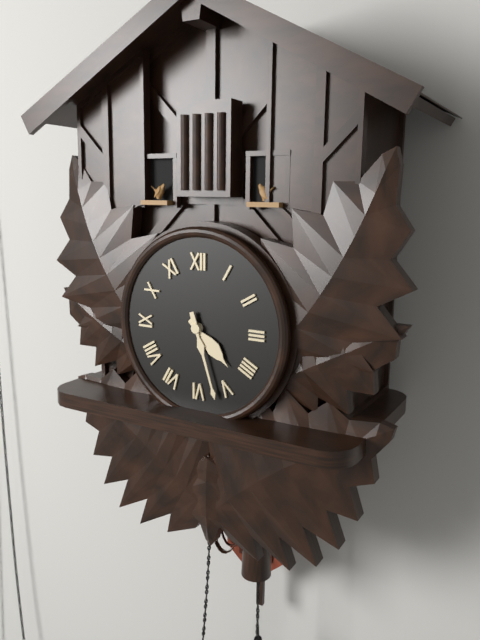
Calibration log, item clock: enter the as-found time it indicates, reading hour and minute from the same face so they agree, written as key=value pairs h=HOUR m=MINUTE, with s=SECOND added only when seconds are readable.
h=4 m=27
